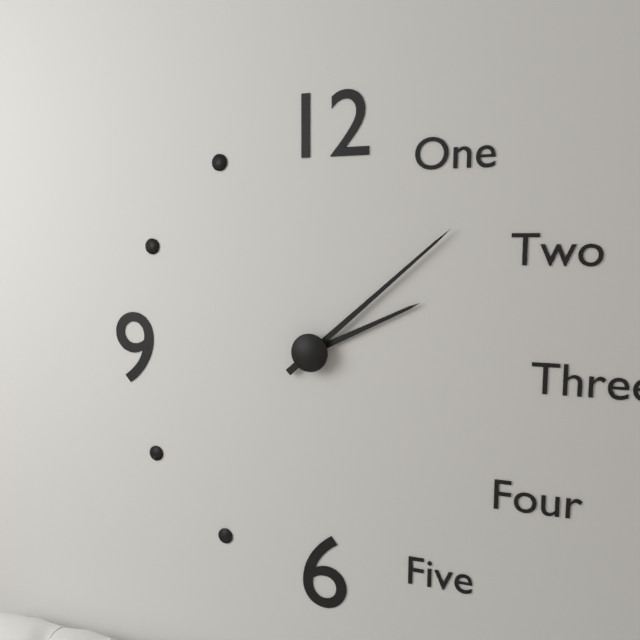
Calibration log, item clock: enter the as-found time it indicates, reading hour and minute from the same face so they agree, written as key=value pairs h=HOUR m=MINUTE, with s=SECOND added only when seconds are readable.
h=2 m=8
